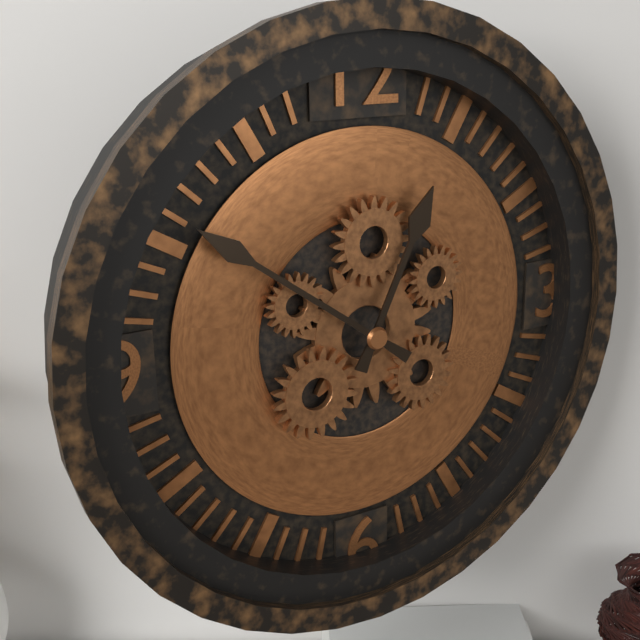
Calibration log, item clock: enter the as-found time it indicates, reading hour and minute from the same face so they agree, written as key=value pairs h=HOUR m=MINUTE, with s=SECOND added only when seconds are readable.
h=12 m=51
